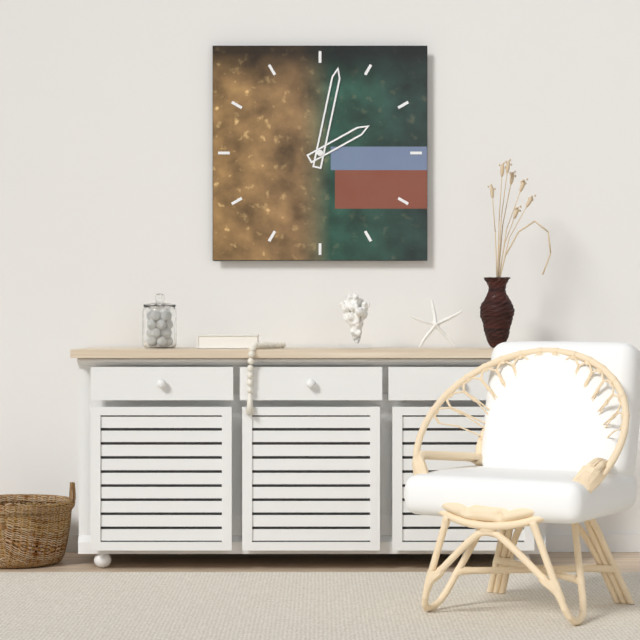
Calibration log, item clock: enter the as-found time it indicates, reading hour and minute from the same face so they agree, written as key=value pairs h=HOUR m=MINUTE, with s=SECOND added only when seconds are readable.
h=2 m=2
